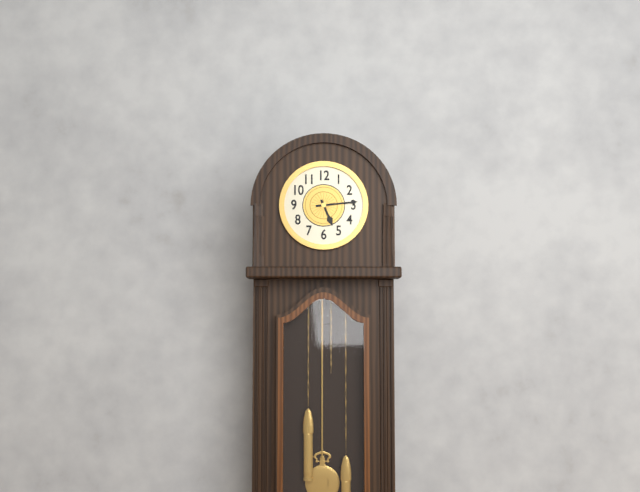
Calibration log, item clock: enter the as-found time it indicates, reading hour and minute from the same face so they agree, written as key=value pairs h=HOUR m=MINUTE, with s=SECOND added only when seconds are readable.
h=5 m=14
